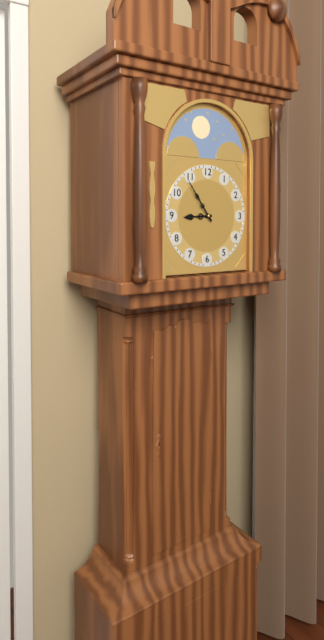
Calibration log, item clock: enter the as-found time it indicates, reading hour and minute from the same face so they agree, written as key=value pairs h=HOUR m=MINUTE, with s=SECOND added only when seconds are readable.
h=8 m=54
